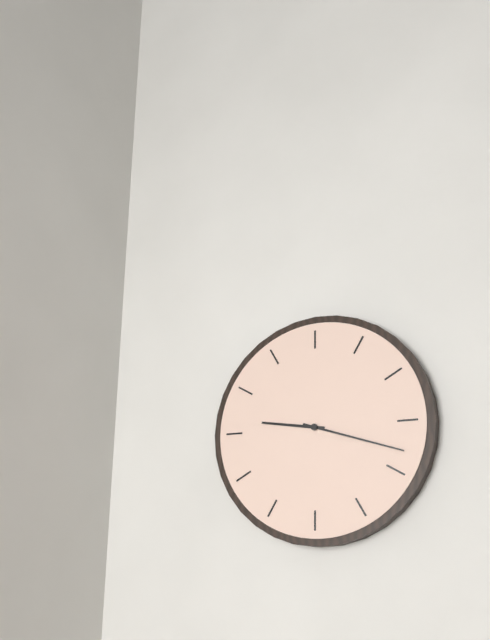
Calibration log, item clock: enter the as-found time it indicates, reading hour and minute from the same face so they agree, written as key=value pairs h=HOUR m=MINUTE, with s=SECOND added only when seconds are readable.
h=9 m=18
